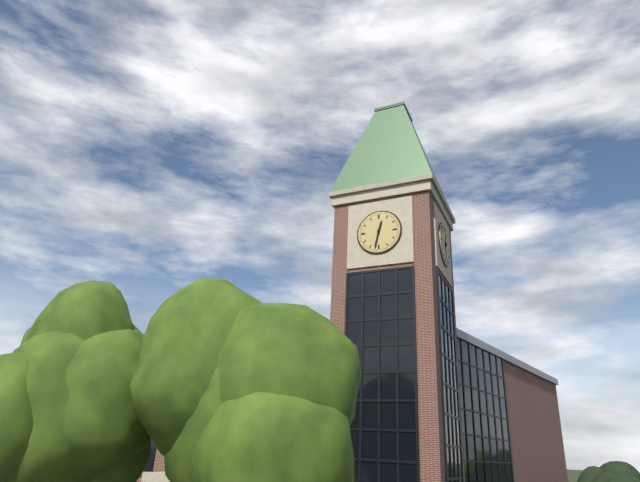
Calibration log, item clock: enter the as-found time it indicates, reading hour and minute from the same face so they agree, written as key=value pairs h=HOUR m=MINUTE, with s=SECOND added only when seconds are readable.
h=12 m=32
